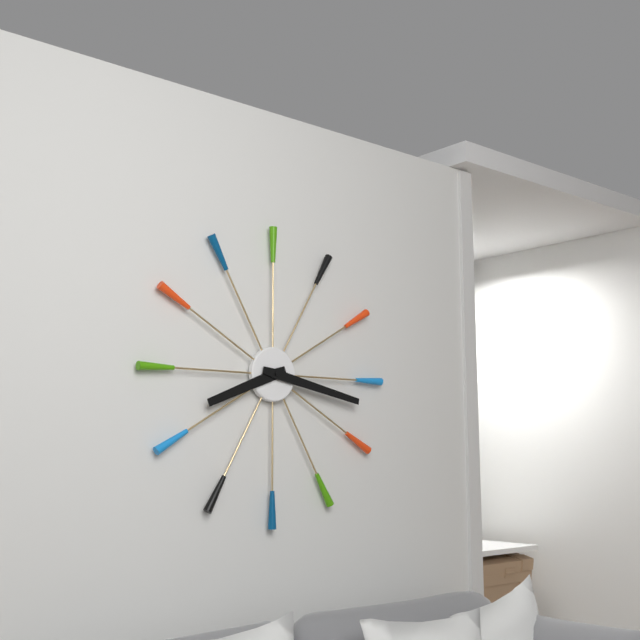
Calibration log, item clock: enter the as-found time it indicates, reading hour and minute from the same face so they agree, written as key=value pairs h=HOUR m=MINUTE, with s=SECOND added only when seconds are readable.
h=8 m=17
